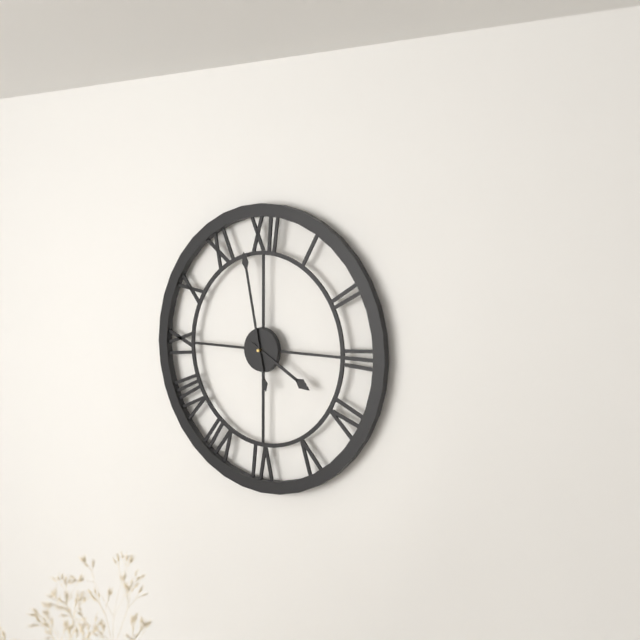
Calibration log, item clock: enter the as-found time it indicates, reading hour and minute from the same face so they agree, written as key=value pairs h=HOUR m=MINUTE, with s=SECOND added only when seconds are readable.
h=3 m=58
